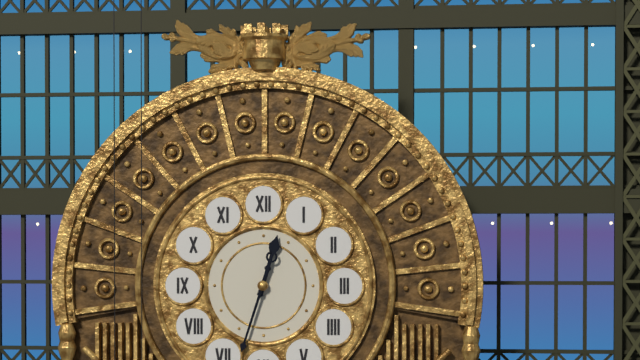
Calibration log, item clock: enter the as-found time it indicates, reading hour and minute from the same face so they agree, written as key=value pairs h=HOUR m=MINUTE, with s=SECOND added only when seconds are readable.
h=12 m=33
